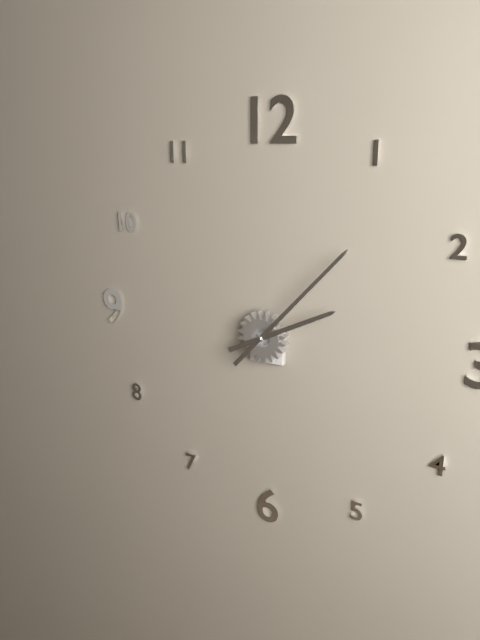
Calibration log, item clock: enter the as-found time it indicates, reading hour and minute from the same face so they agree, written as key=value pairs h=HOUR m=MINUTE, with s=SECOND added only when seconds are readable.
h=2 m=7
